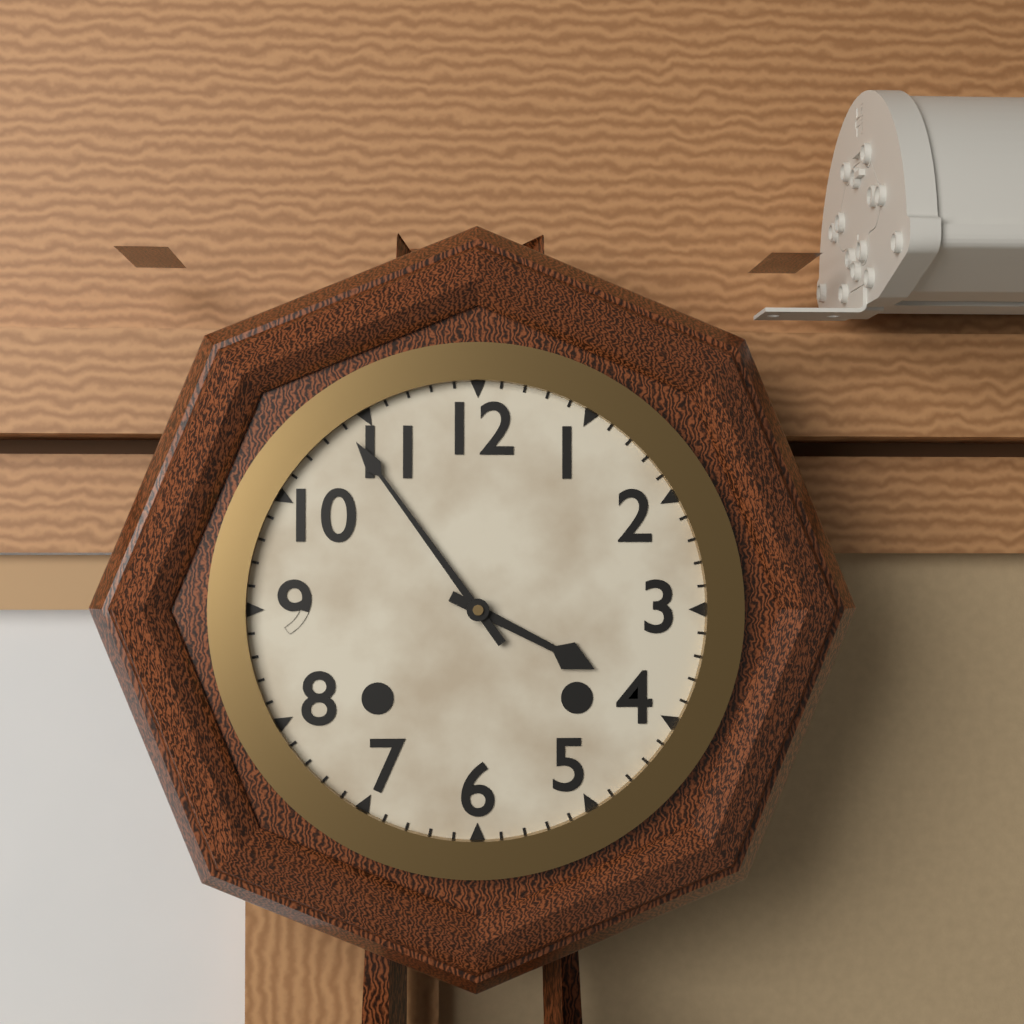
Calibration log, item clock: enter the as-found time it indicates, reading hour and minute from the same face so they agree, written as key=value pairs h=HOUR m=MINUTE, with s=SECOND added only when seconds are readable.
h=3 m=54
